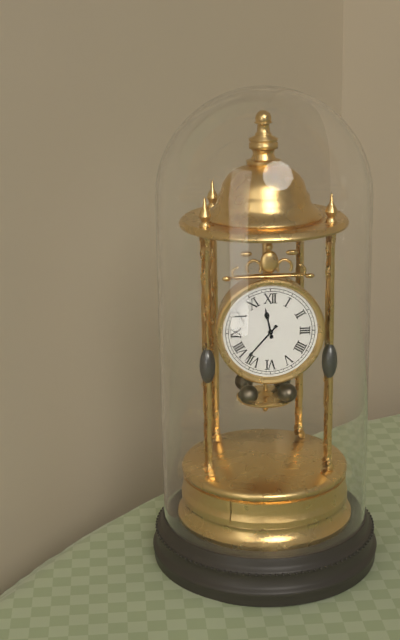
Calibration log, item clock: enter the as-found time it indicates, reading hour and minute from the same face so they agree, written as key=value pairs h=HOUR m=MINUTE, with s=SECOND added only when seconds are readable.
h=11 m=37
